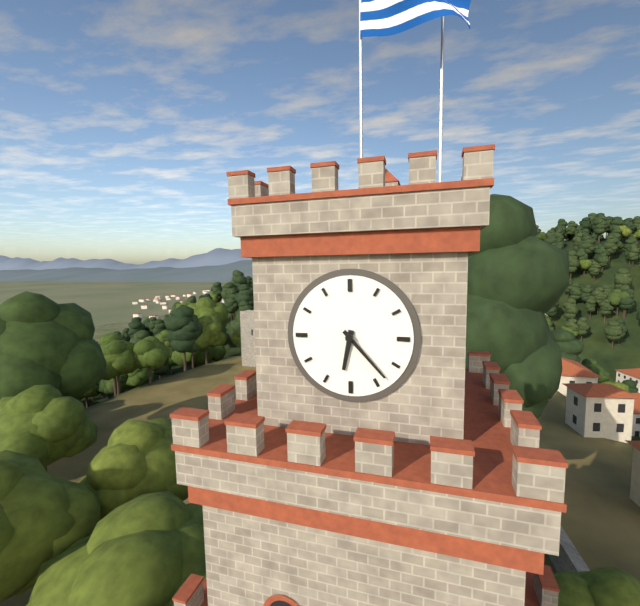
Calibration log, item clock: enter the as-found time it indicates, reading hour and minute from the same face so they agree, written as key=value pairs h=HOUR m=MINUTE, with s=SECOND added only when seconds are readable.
h=6 m=23
